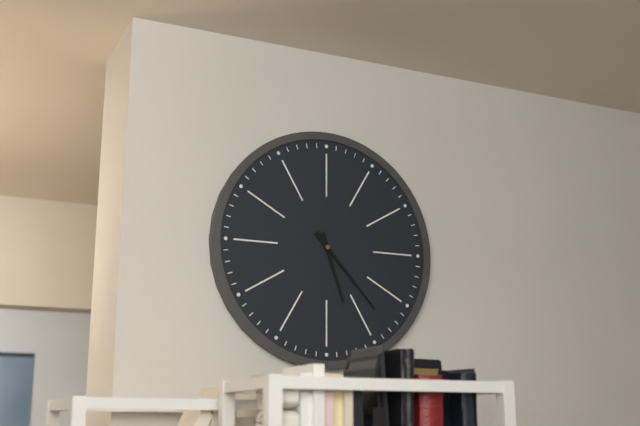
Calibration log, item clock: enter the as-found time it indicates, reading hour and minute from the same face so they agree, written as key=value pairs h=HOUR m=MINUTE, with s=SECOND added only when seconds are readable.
h=5 m=23
